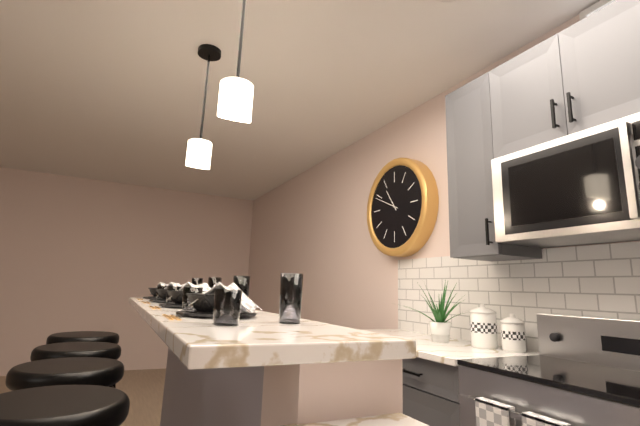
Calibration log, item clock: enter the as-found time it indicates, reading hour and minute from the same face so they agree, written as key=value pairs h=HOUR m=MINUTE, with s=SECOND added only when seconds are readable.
h=10 m=49
